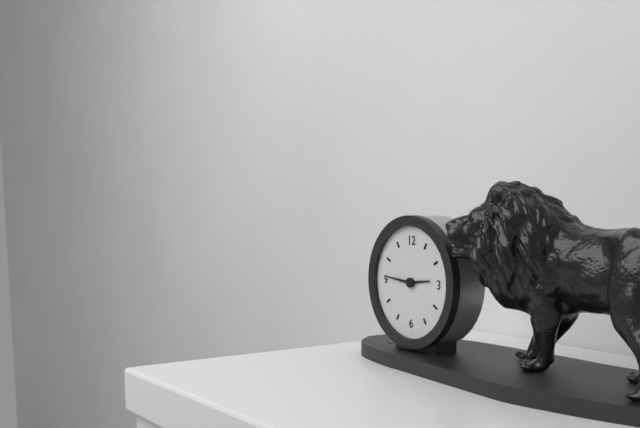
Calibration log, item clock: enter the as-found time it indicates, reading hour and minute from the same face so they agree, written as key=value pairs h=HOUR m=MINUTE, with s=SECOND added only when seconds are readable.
h=2 m=46
